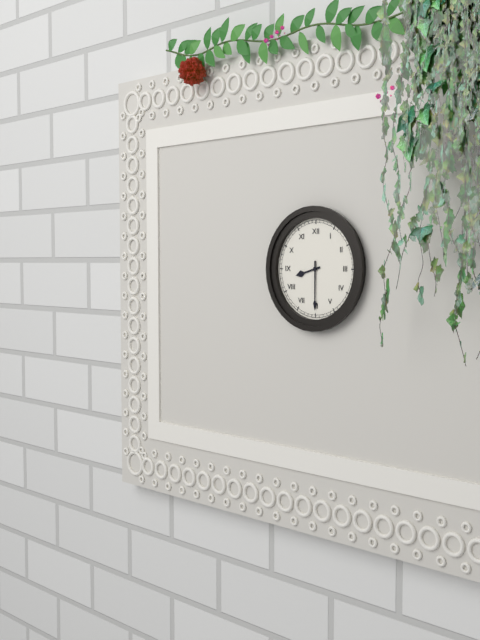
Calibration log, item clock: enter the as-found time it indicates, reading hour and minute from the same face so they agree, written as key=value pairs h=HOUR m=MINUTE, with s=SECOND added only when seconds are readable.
h=8 m=30
